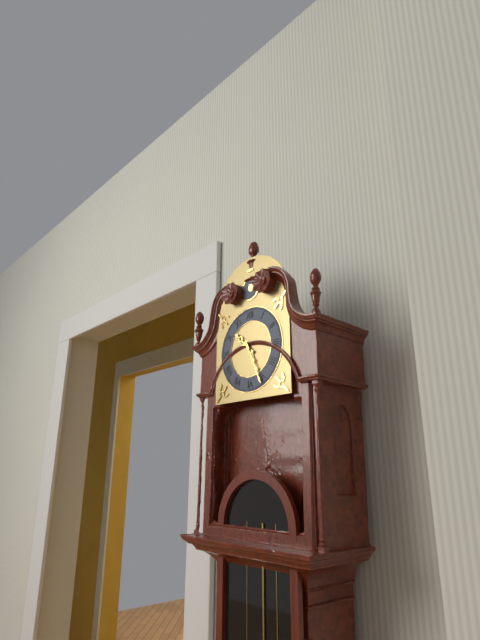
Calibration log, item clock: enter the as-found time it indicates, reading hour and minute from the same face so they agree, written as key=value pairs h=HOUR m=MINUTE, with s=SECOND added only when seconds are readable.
h=10 m=26
